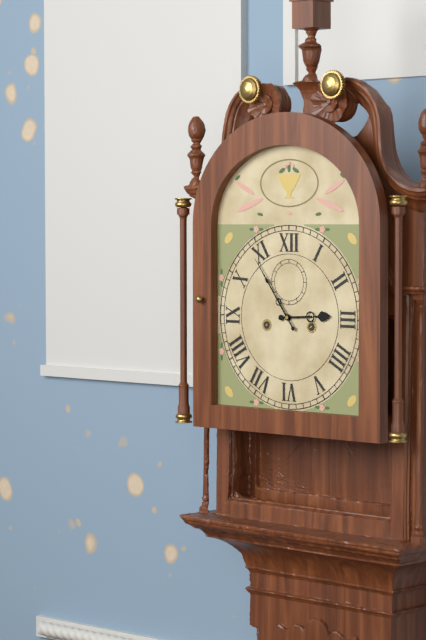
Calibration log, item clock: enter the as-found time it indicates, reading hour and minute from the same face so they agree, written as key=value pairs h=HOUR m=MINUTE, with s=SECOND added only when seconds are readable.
h=2 m=54
